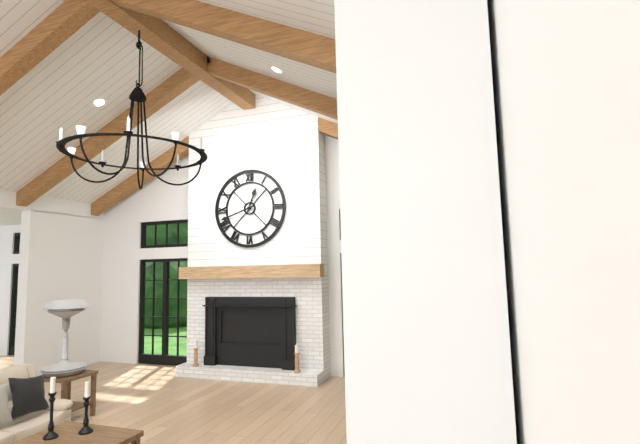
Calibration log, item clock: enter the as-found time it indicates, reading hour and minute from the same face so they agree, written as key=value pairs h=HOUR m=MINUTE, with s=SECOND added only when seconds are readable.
h=12 m=42
